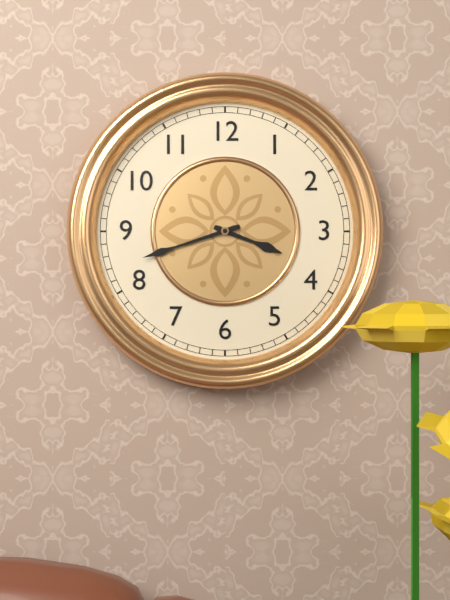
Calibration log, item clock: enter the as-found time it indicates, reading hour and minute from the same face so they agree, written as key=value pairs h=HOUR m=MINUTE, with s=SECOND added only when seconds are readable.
h=3 m=42
